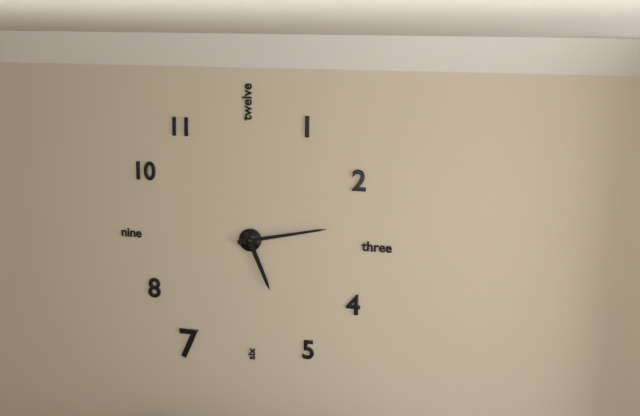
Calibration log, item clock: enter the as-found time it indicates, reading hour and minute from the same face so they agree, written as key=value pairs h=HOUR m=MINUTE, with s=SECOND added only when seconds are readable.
h=5 m=13
